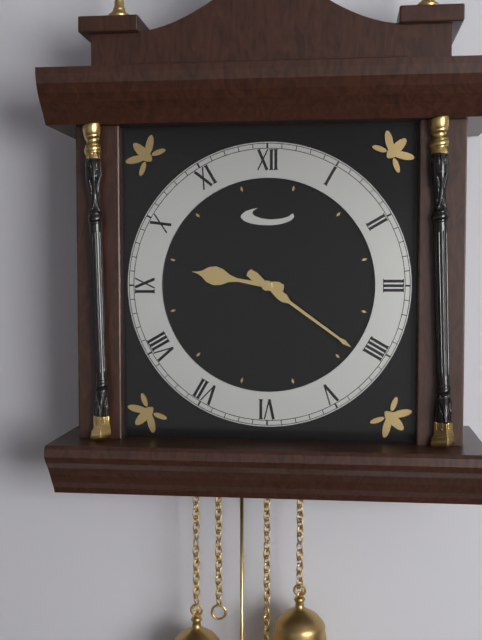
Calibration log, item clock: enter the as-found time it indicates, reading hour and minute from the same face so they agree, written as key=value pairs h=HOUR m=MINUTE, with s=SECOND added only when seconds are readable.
h=9 m=21
